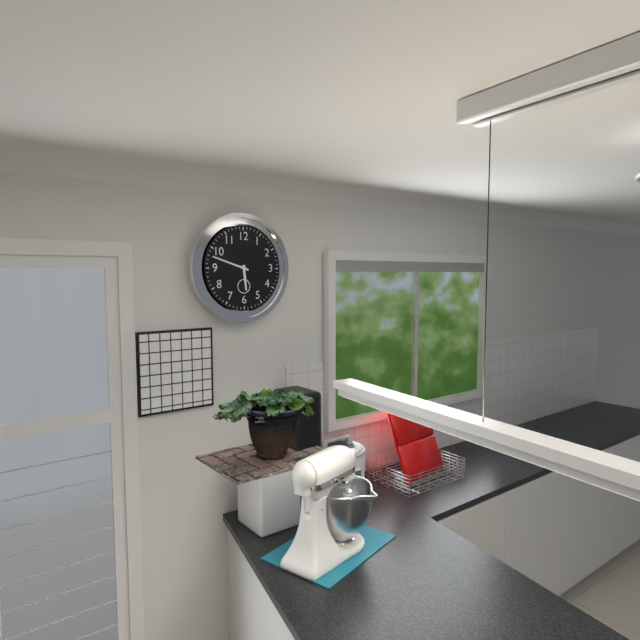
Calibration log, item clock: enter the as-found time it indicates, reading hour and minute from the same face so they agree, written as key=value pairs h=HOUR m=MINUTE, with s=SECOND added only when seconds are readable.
h=5 m=48
